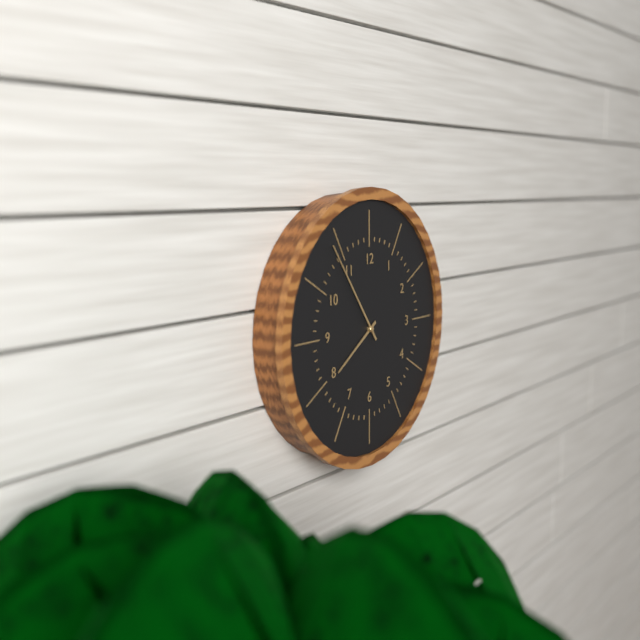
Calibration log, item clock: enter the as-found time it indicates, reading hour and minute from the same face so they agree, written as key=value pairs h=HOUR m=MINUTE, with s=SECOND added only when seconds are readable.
h=7 m=54
